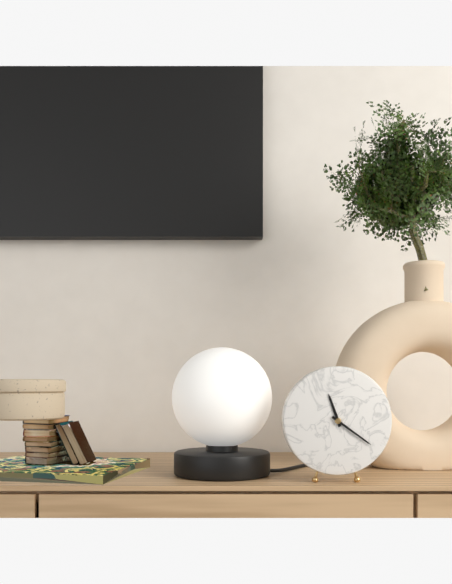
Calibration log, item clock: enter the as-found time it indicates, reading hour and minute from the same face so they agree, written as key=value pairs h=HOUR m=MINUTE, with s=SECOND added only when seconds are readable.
h=11 m=21
